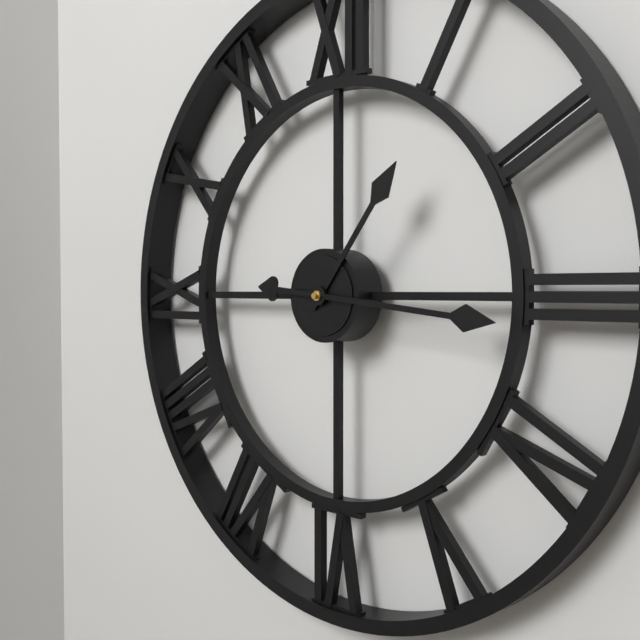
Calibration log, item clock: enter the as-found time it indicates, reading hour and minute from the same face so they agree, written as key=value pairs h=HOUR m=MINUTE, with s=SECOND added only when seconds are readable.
h=1 m=16
